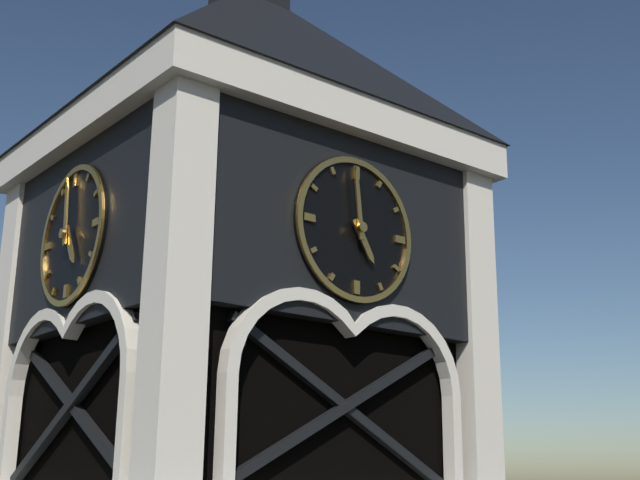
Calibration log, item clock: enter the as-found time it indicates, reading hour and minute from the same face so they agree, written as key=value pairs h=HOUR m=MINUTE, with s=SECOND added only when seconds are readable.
h=4 m=59
